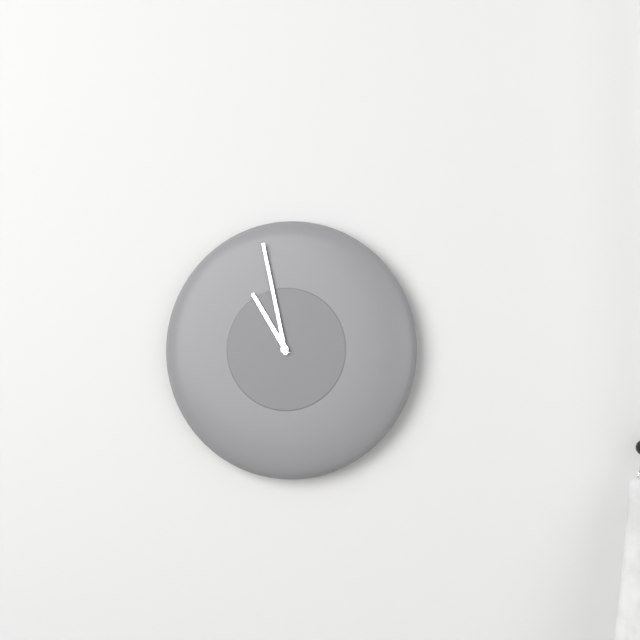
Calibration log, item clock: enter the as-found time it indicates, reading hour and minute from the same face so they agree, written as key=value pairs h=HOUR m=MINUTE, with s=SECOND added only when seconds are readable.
h=10 m=58
